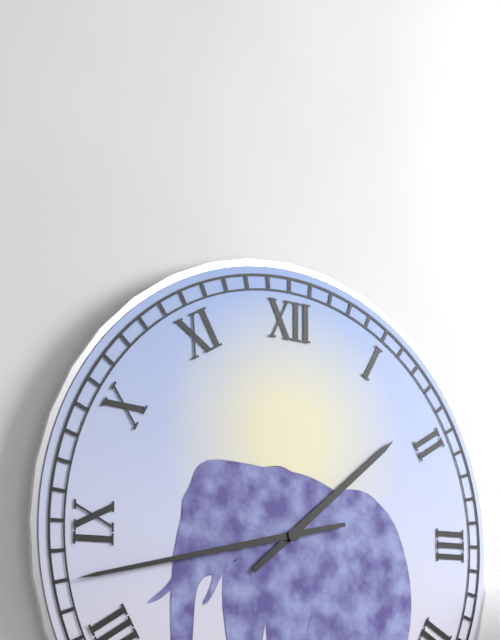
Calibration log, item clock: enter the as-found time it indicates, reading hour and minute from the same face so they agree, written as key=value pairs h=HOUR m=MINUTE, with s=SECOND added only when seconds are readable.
h=1 m=43
